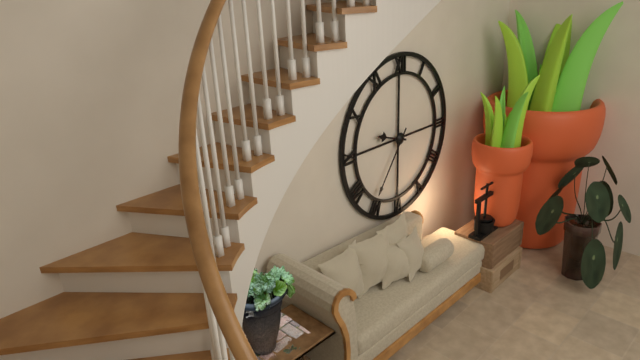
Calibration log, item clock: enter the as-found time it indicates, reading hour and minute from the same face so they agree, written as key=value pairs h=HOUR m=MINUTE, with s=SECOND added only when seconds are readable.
h=9 m=36
